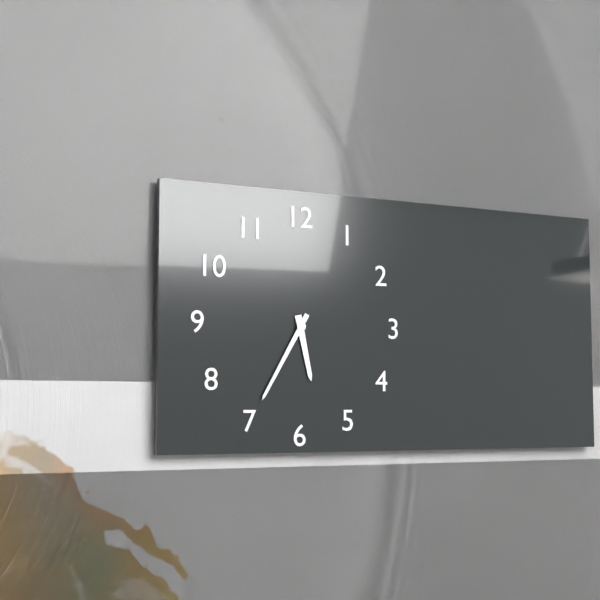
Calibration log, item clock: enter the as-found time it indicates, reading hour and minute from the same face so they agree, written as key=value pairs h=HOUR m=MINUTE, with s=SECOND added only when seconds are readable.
h=5 m=35
